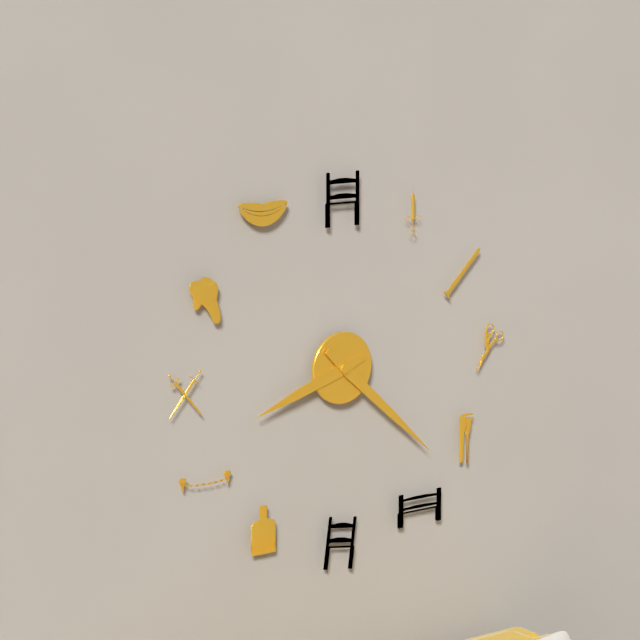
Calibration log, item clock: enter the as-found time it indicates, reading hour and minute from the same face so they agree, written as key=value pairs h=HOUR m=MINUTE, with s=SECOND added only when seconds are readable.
h=8 m=22
